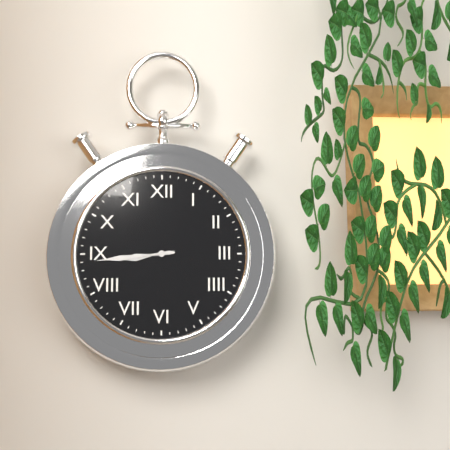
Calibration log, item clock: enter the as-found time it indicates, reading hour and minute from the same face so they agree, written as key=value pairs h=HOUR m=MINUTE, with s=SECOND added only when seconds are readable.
h=8 m=44
